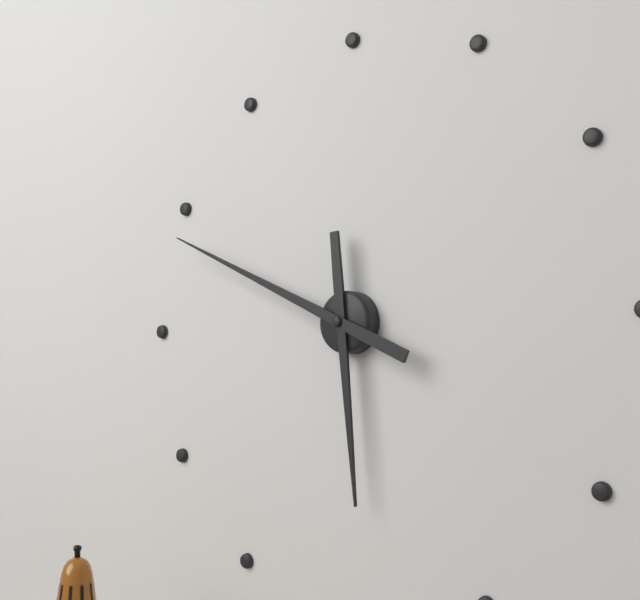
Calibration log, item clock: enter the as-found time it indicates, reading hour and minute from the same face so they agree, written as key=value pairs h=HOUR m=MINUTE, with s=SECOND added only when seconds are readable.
h=5 m=49
